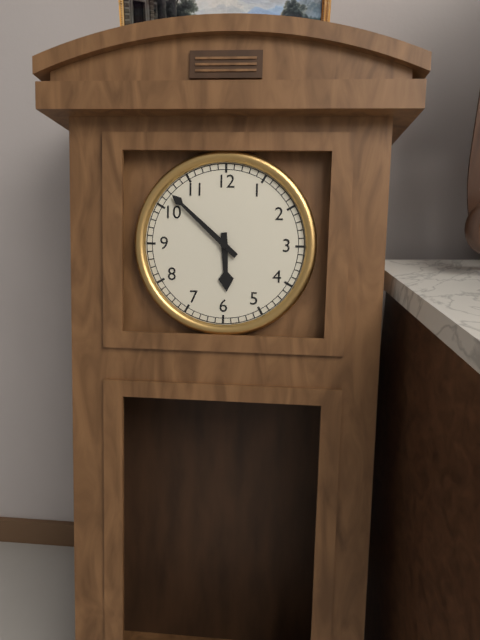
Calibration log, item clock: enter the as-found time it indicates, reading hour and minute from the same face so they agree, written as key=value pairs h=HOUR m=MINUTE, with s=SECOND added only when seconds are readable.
h=5 m=52
